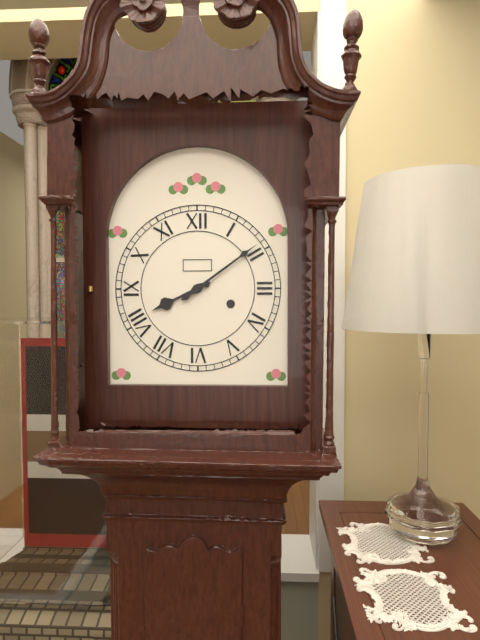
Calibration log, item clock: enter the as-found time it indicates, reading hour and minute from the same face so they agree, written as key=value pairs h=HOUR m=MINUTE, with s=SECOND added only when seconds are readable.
h=8 m=9
